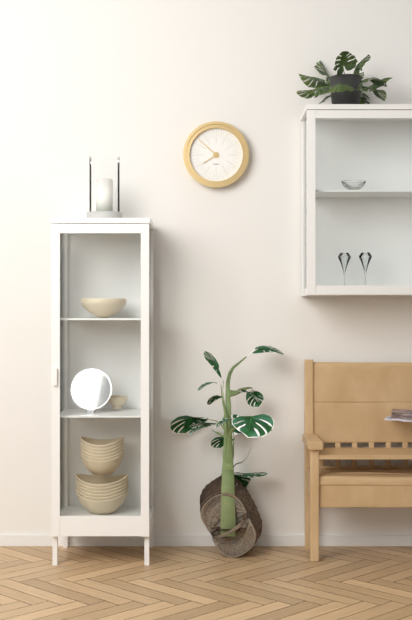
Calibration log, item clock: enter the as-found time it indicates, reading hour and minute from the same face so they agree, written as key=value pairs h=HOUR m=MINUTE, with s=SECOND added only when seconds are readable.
h=7 m=52
